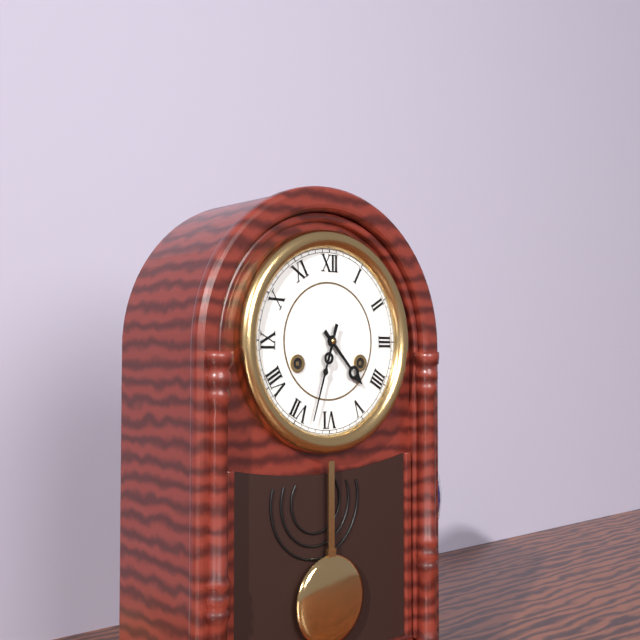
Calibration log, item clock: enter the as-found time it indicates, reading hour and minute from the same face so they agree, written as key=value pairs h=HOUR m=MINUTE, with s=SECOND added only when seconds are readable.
h=4 m=33
